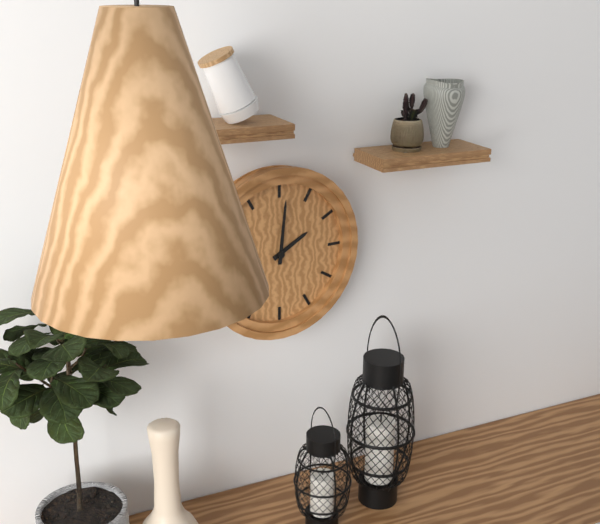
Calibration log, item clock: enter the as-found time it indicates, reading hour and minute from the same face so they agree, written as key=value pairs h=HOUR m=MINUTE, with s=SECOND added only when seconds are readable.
h=2 m=1
